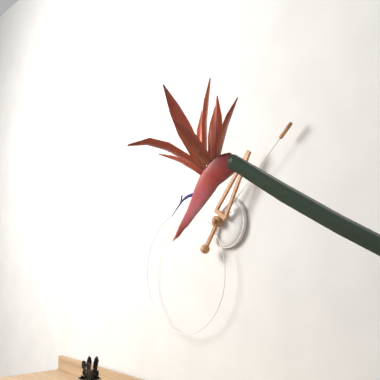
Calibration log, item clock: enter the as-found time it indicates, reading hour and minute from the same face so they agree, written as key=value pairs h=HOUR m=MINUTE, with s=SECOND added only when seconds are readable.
h=1 m=8
